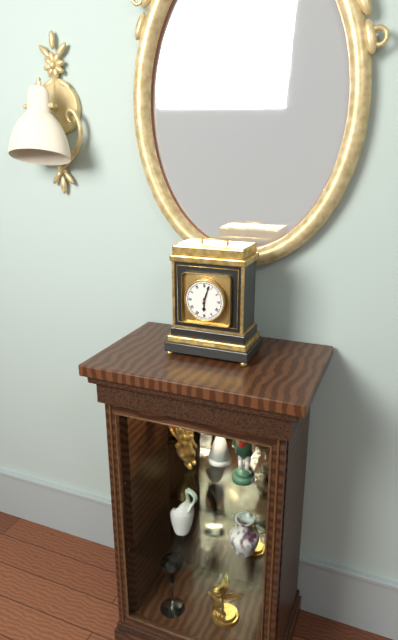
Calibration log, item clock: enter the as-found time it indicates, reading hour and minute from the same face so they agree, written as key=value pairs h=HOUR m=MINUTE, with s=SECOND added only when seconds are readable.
h=6 m=3
